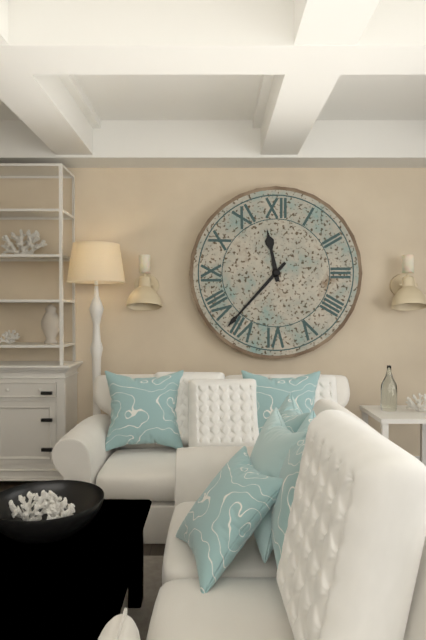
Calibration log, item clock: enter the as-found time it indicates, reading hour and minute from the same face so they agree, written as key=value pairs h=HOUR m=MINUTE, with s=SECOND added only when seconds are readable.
h=11 m=37
